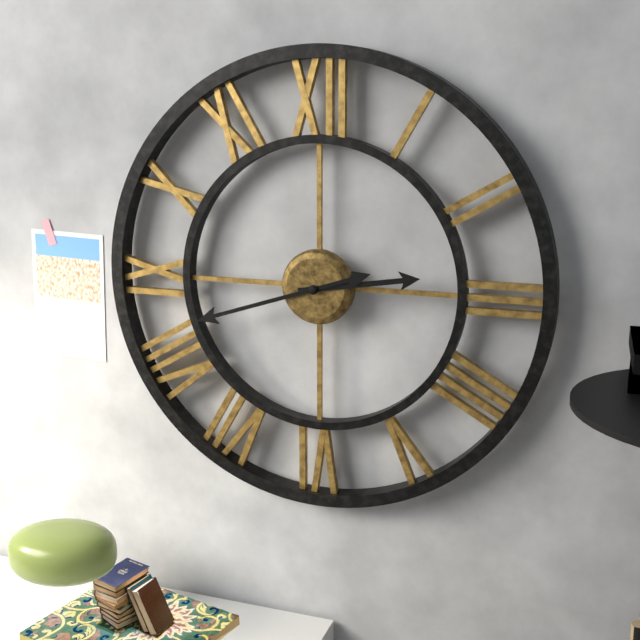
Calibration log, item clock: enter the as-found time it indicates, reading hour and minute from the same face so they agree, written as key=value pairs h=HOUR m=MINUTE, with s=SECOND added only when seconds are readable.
h=2 m=42
